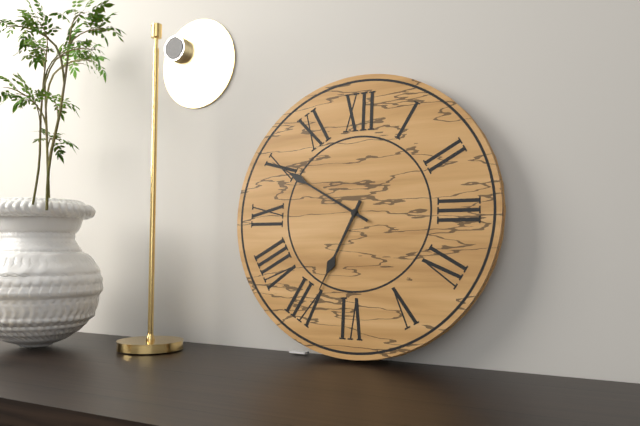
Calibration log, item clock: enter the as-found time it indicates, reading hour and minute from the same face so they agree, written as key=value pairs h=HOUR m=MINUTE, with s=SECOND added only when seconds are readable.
h=6 m=50
